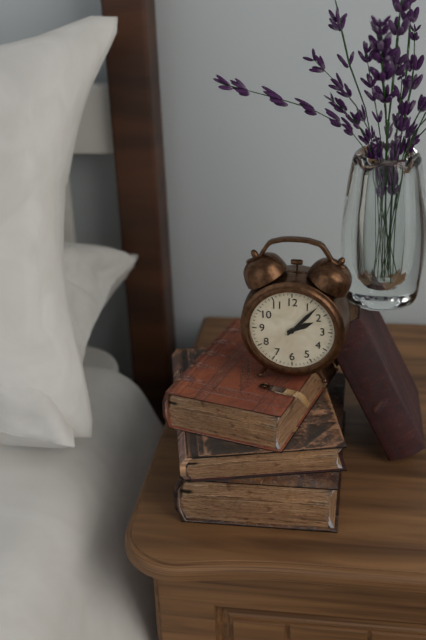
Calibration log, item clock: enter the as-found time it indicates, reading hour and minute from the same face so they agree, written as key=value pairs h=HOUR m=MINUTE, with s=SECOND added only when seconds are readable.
h=2 m=7
